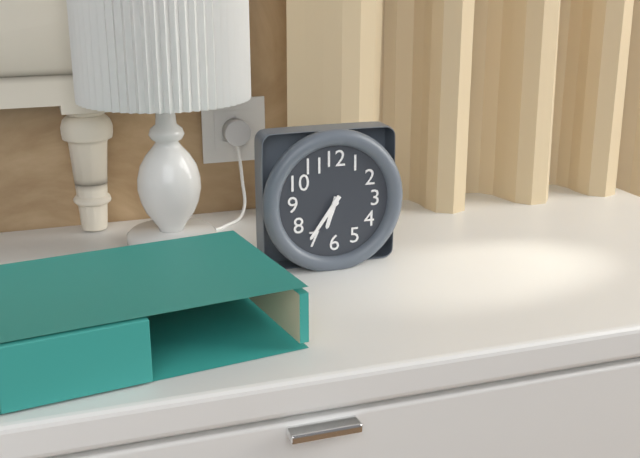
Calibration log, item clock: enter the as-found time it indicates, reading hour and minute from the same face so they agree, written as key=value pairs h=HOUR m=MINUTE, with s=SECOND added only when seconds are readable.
h=6 m=36
